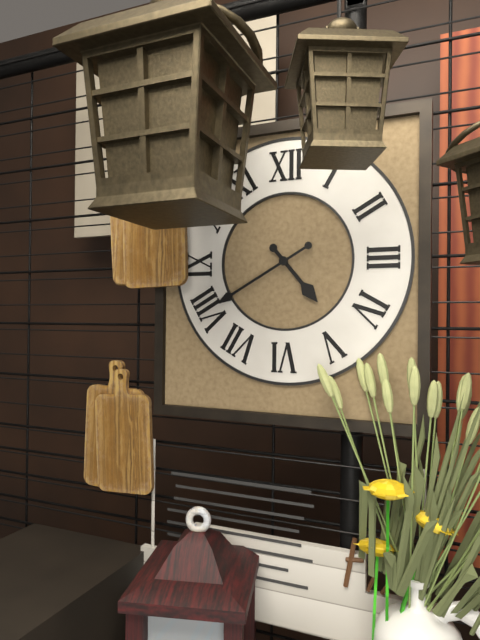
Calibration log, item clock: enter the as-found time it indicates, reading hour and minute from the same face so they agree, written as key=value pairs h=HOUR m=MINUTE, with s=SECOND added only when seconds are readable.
h=4 m=40
